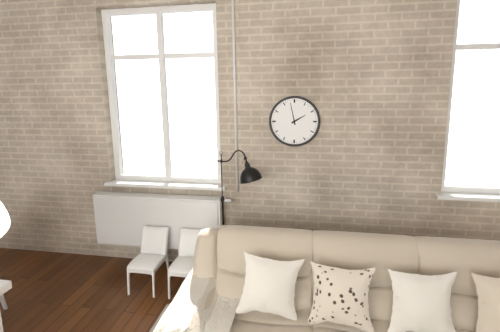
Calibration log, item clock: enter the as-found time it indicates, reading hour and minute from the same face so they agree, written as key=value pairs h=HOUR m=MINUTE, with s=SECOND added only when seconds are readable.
h=1 m=58
